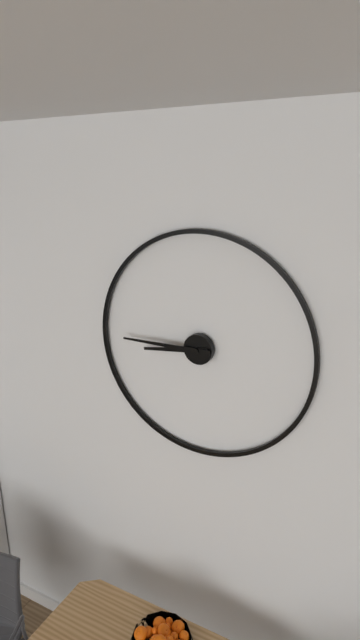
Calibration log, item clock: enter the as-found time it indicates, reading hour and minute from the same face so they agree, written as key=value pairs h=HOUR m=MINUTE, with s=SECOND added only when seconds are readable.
h=8 m=45
